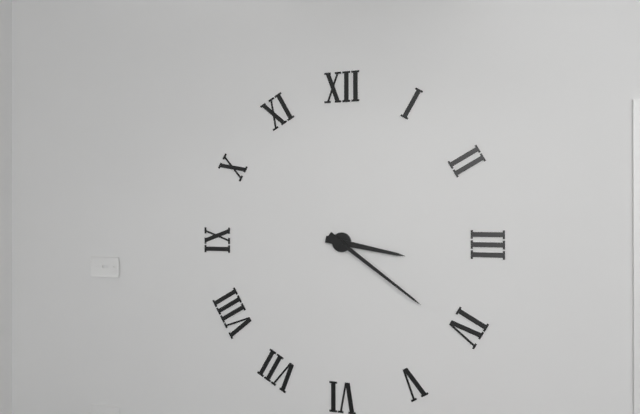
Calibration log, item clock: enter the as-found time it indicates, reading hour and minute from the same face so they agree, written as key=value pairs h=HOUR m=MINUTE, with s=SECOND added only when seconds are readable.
h=3 m=21
